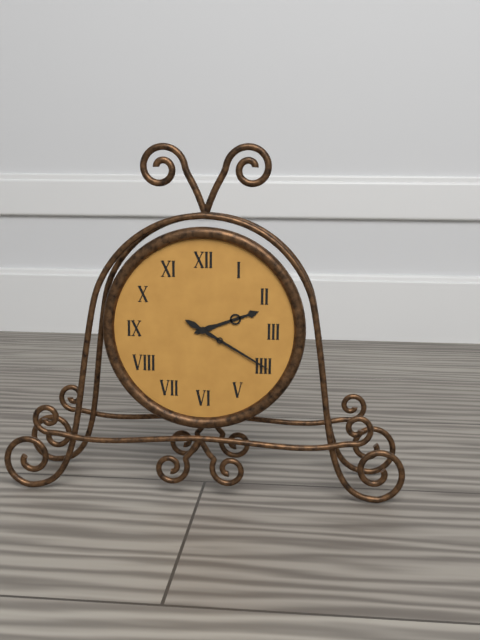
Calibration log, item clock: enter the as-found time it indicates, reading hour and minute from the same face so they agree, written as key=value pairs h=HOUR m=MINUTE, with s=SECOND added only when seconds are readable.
h=2 m=20
